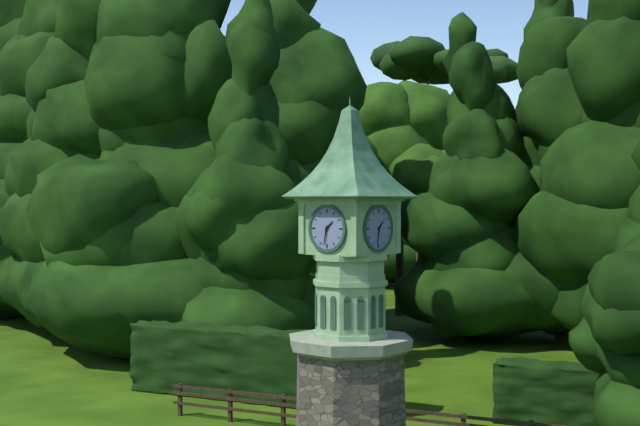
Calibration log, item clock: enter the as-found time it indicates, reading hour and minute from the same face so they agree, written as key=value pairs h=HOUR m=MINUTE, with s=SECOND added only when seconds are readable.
h=1 m=32
